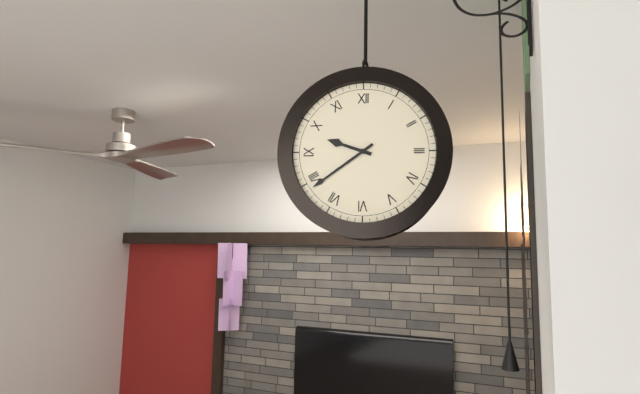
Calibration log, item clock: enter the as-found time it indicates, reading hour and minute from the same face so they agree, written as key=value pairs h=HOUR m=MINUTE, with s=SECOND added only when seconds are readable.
h=9 m=39
